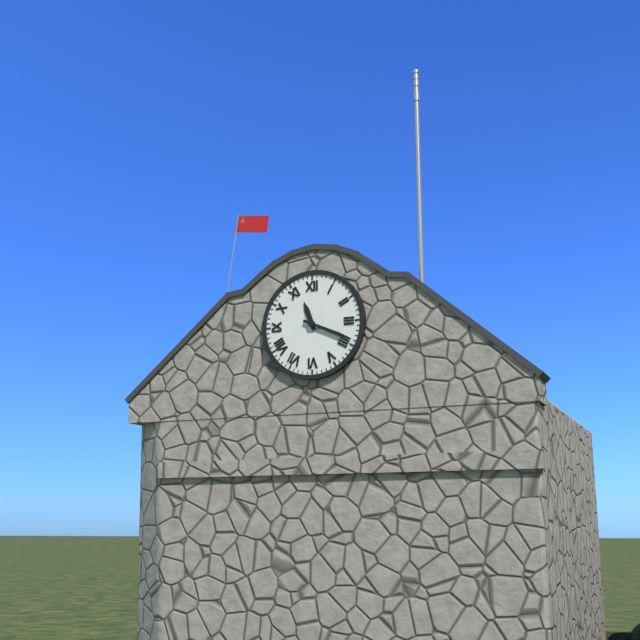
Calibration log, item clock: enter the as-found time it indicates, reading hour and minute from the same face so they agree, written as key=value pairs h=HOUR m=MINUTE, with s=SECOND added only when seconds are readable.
h=11 m=19
